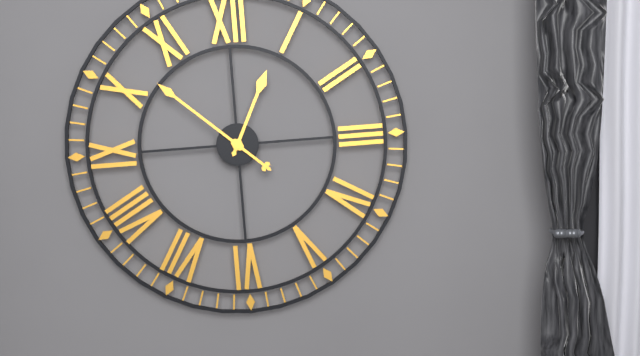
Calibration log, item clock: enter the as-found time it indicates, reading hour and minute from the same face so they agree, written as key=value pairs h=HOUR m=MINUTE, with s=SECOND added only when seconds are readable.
h=12 m=52
